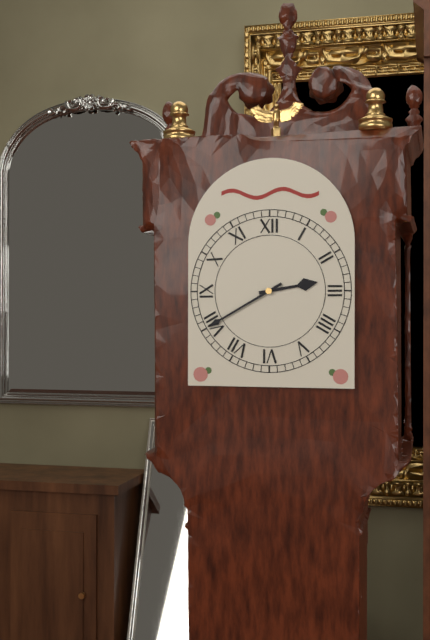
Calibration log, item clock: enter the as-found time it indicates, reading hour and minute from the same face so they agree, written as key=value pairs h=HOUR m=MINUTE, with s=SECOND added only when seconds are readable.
h=2 m=40
